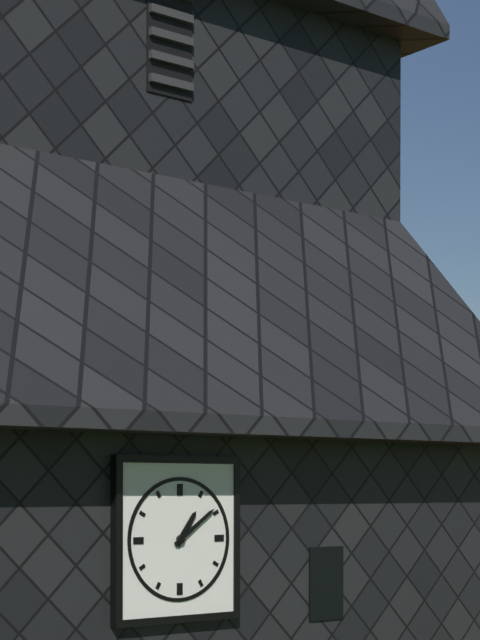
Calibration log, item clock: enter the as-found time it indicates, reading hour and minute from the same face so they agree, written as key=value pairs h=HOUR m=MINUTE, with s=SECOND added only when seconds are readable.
h=1 m=9
